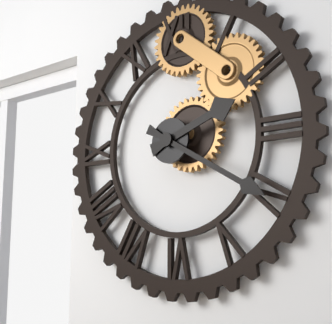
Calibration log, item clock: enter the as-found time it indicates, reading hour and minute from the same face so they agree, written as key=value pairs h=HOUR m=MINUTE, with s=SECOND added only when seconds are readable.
h=2 m=20
